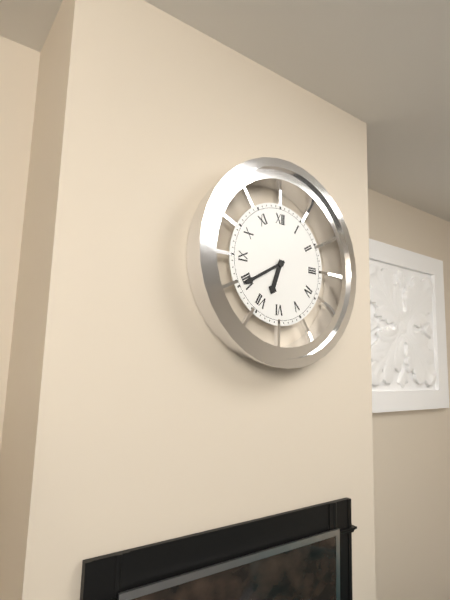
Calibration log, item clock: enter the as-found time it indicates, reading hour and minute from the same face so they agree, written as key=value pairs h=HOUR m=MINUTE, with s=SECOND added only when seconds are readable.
h=6 m=40
